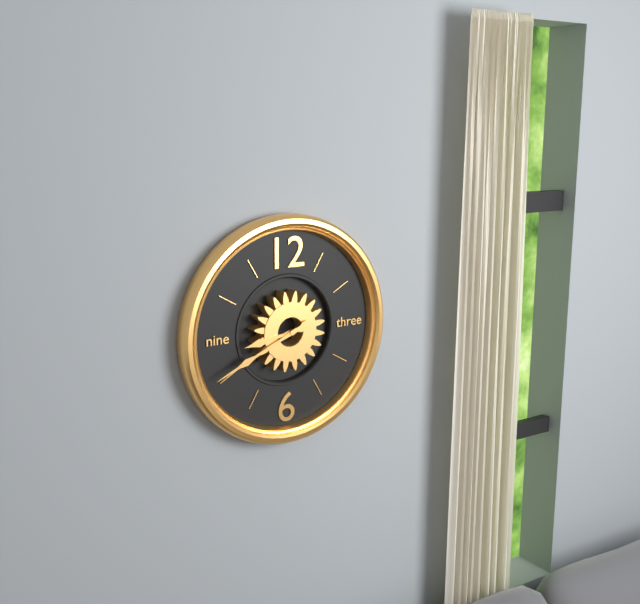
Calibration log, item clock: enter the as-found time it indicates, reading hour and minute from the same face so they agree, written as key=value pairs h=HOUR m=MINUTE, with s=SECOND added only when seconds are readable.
h=8 m=41
